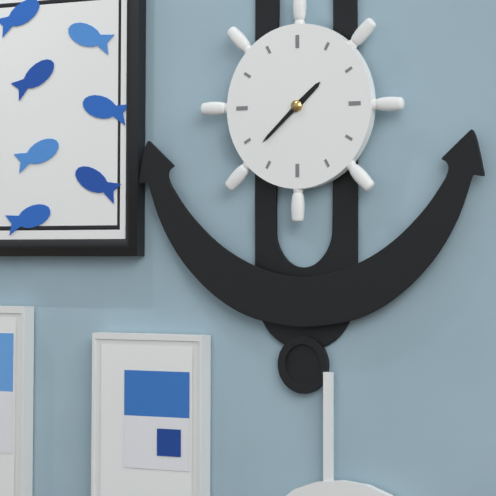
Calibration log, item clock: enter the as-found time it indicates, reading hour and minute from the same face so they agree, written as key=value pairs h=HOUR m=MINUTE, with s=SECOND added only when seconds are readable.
h=1 m=38
